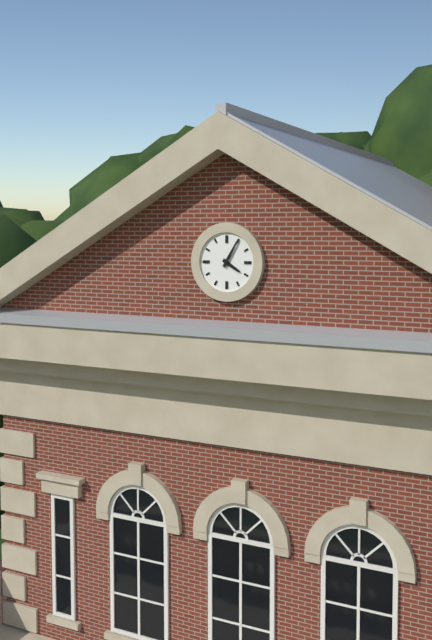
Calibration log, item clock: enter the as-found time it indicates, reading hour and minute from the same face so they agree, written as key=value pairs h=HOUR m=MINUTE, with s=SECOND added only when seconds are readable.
h=4 m=5
